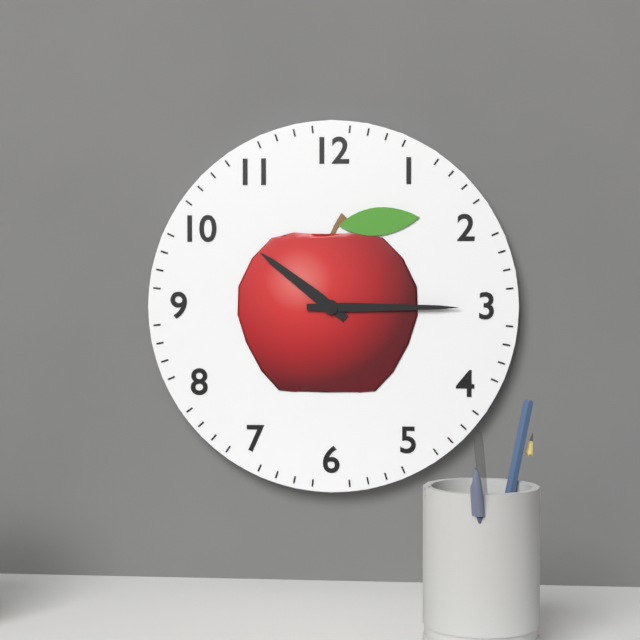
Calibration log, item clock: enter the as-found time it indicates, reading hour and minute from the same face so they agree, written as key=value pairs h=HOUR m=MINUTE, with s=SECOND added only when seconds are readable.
h=10 m=15
